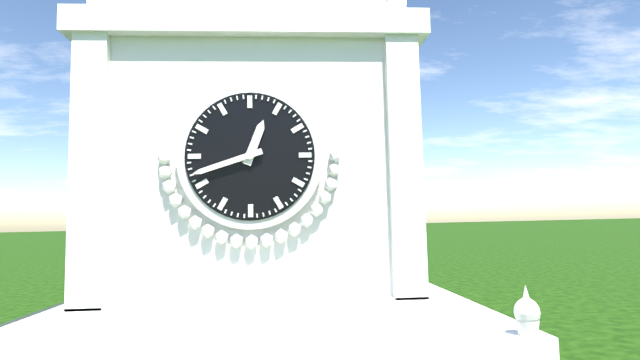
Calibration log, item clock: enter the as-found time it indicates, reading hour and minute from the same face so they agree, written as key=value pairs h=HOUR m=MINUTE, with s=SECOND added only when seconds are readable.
h=12 m=42
